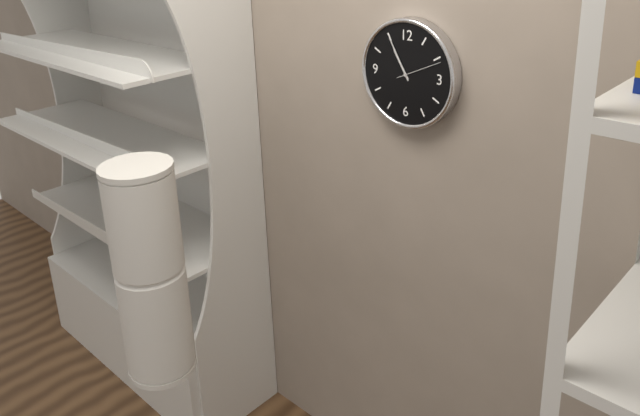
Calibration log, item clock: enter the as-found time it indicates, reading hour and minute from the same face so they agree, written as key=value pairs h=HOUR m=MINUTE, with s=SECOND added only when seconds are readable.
h=10 m=55
